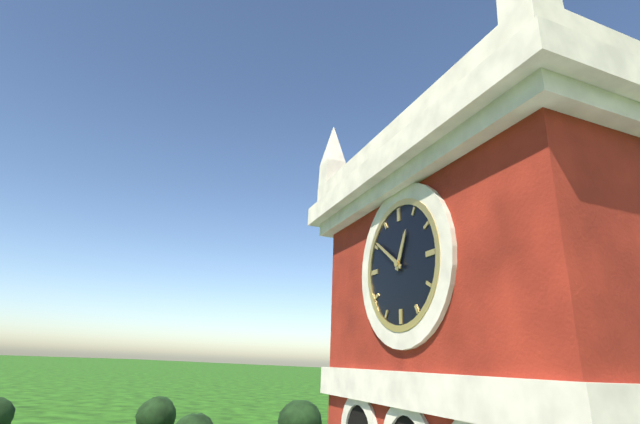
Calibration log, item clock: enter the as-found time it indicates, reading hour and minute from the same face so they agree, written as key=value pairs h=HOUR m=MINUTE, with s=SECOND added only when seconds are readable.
h=12 m=51
